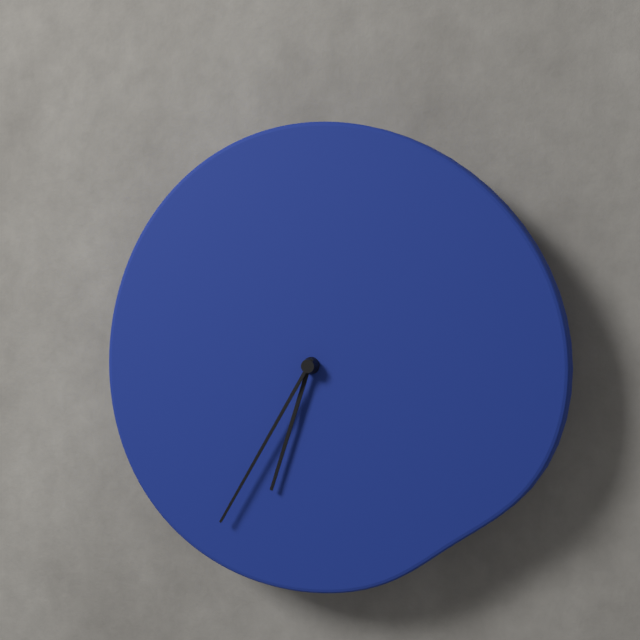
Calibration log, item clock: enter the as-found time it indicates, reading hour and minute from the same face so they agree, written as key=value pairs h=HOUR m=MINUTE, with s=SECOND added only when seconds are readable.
h=6 m=35
